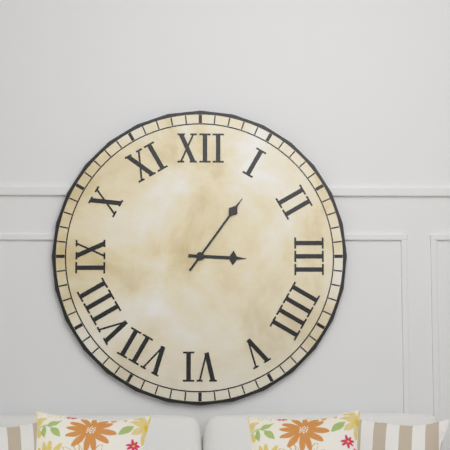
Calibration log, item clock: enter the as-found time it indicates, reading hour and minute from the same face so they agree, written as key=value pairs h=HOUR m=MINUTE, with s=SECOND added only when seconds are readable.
h=3 m=6
